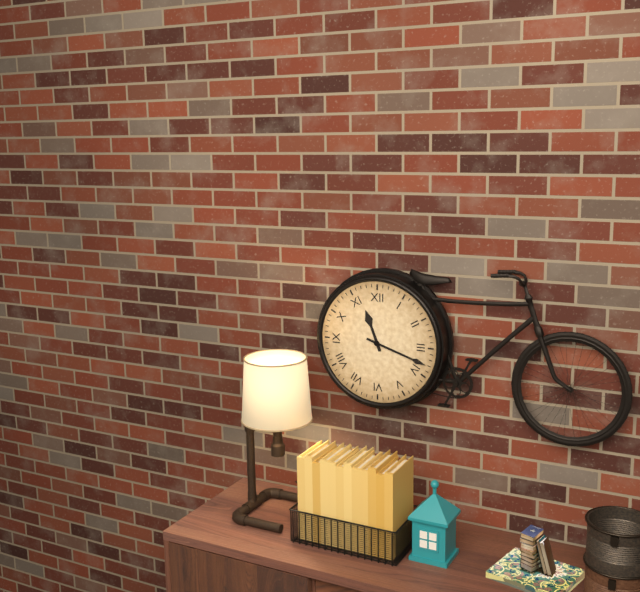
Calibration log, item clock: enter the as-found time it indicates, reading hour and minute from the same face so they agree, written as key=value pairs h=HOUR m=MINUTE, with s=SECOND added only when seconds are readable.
h=11 m=18
